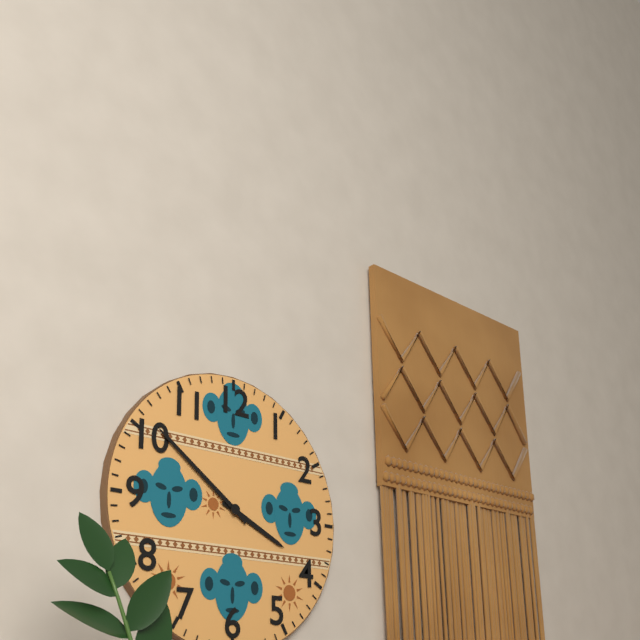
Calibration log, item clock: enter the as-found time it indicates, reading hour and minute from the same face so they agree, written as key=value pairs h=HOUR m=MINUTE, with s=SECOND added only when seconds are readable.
h=3 m=51
